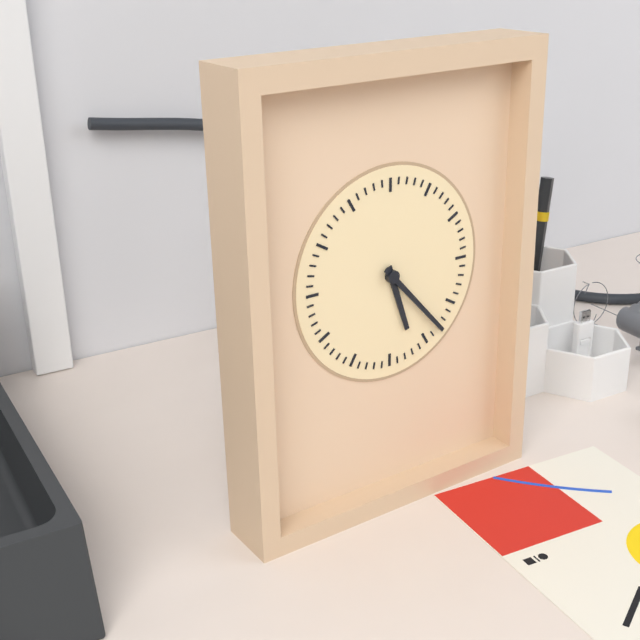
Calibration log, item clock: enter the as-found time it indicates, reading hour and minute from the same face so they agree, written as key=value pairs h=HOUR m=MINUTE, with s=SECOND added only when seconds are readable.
h=5 m=23
